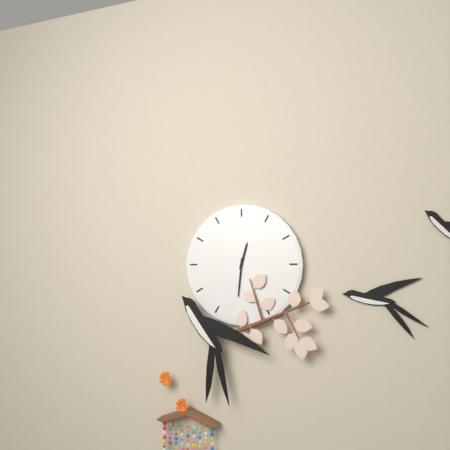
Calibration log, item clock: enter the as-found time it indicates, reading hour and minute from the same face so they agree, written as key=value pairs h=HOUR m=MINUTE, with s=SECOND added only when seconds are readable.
h=12 m=31
